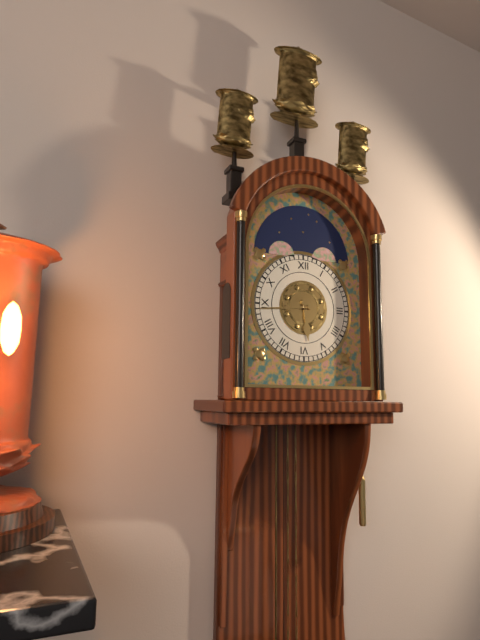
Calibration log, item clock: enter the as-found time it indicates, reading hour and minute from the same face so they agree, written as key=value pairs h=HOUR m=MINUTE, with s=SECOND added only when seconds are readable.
h=5 m=44
